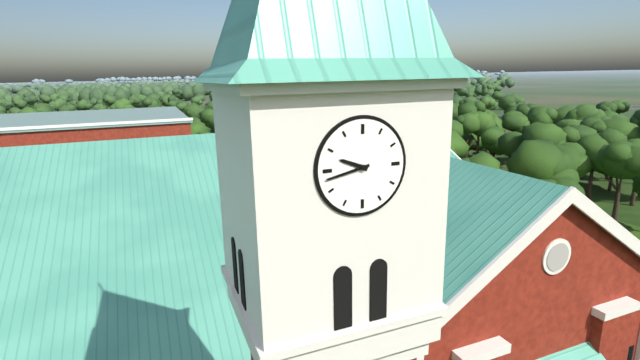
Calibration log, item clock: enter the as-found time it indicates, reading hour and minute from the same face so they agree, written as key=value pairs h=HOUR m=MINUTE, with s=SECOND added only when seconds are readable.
h=9 m=43
